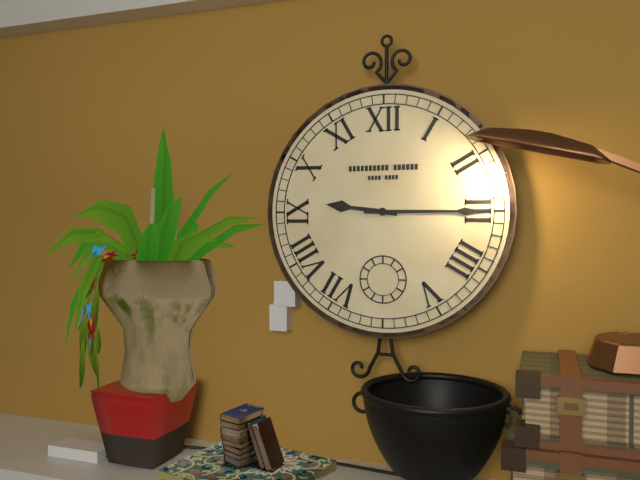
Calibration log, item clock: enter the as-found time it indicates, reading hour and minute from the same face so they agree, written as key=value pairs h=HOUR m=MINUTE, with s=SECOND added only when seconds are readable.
h=9 m=15
